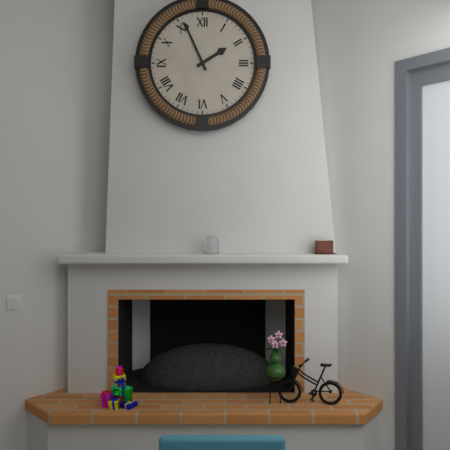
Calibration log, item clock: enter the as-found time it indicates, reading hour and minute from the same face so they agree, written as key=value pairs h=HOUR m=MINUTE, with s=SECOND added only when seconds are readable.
h=1 m=56
